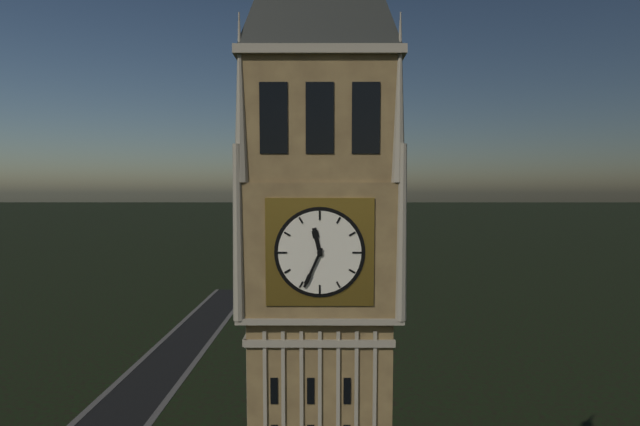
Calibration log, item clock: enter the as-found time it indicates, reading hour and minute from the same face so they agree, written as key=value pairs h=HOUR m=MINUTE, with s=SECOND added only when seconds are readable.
h=11 m=34
